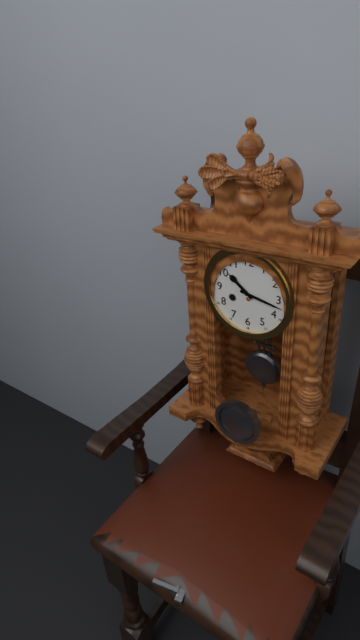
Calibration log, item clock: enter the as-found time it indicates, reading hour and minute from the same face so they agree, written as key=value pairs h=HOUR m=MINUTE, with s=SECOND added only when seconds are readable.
h=10 m=17
